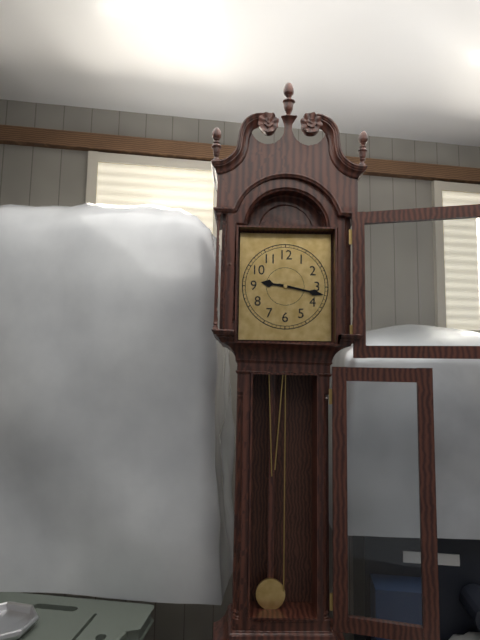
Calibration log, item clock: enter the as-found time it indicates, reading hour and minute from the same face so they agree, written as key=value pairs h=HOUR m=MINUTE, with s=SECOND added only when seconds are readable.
h=9 m=17
